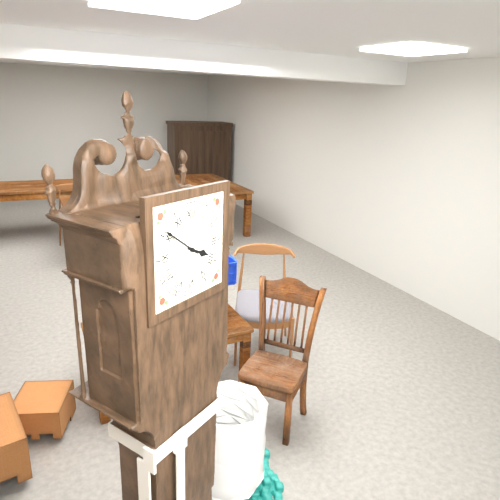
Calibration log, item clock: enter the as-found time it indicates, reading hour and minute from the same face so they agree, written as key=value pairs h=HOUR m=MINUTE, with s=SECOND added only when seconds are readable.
h=3 m=51
